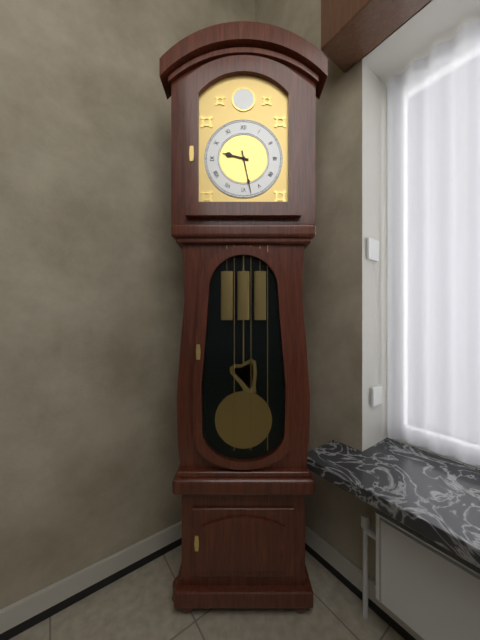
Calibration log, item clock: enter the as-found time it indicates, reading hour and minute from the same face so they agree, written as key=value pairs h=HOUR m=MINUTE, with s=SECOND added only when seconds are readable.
h=9 m=28
